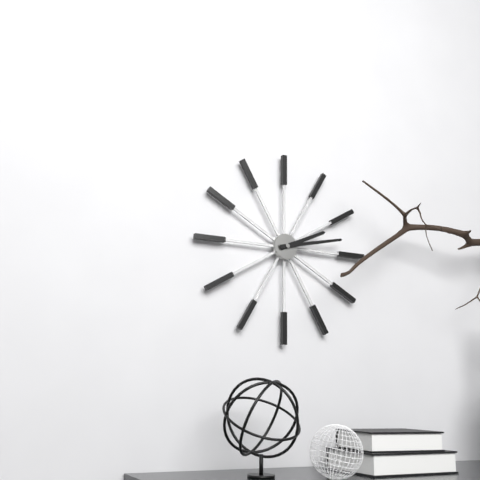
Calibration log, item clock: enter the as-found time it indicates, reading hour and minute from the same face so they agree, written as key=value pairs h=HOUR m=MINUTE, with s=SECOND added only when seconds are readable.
h=2 m=13
